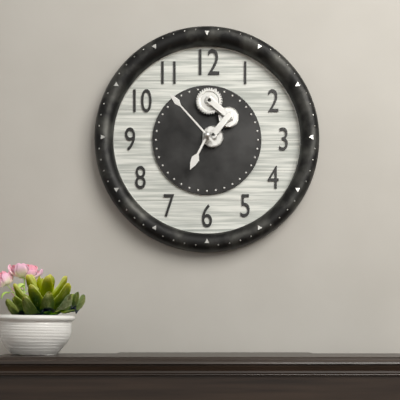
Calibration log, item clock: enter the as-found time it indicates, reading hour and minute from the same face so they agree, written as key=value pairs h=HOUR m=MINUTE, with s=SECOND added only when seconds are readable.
h=6 m=53
